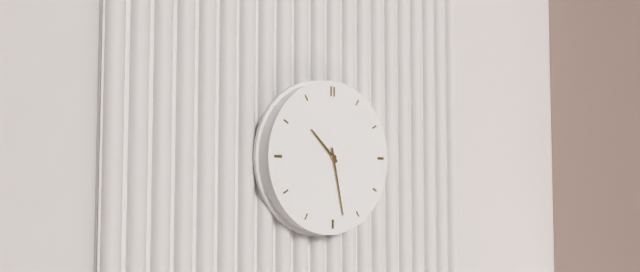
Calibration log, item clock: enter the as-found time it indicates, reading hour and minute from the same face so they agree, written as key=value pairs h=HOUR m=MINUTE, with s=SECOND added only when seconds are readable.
h=10 m=28
